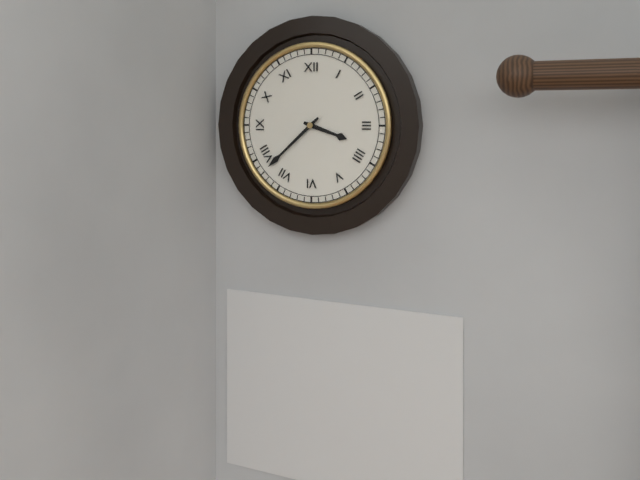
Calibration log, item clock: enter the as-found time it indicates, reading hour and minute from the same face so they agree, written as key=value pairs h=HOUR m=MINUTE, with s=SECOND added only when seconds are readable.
h=3 m=38
